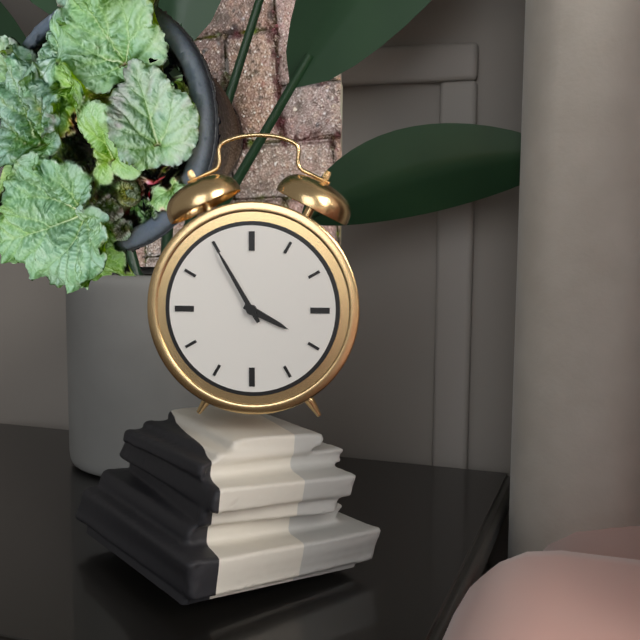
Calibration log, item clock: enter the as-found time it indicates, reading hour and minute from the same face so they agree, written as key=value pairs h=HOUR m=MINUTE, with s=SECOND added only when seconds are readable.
h=3 m=55
